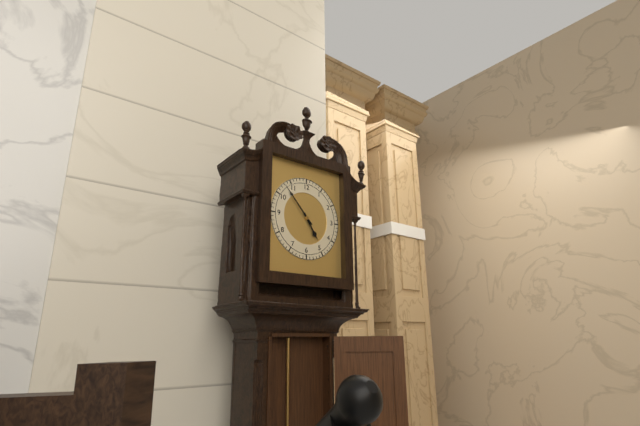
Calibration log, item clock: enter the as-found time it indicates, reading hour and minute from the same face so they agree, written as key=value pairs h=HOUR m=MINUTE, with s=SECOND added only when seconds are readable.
h=4 m=53
